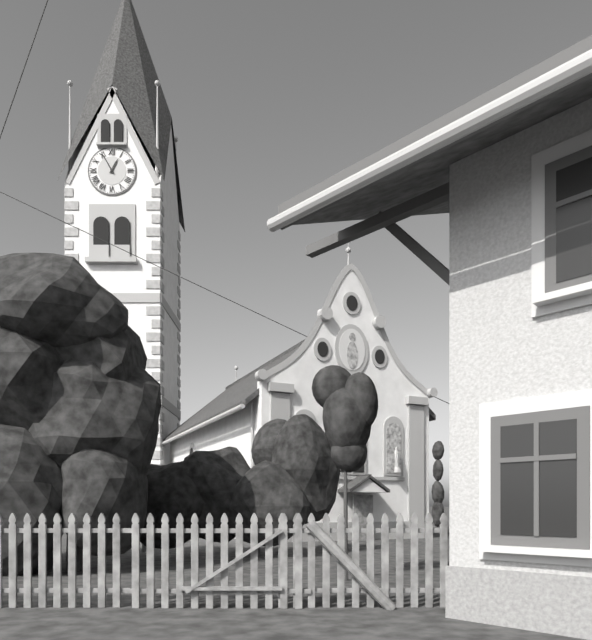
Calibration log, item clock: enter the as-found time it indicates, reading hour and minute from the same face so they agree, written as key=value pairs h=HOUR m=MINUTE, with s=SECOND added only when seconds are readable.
h=12 m=55
